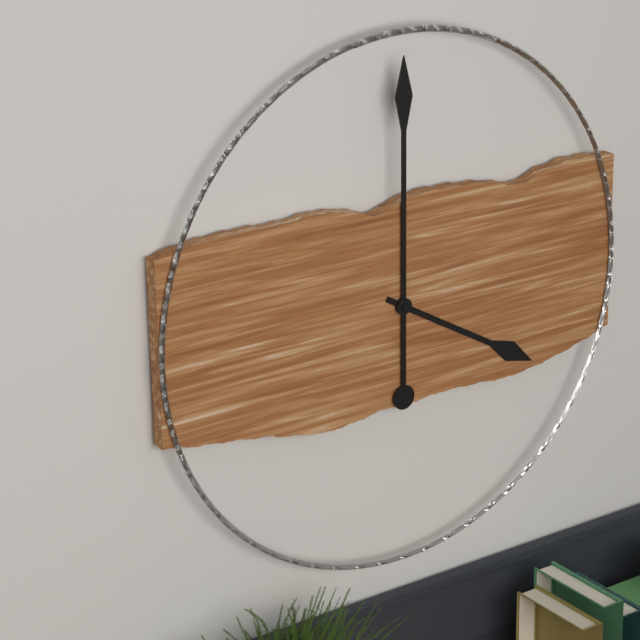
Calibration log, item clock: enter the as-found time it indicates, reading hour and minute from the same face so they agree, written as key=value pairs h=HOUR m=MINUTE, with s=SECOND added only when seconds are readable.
h=4 m=0
